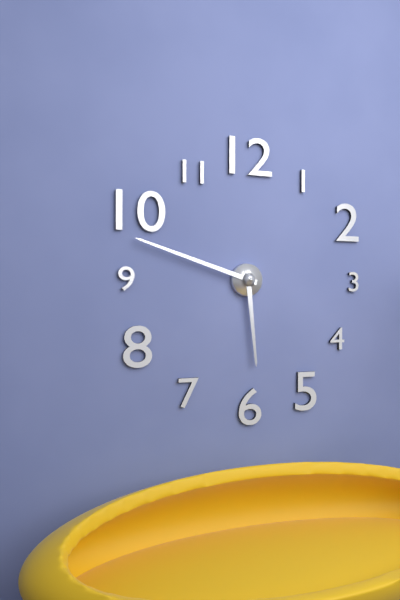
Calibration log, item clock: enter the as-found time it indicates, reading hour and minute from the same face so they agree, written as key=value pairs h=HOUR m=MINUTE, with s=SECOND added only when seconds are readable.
h=5 m=48
